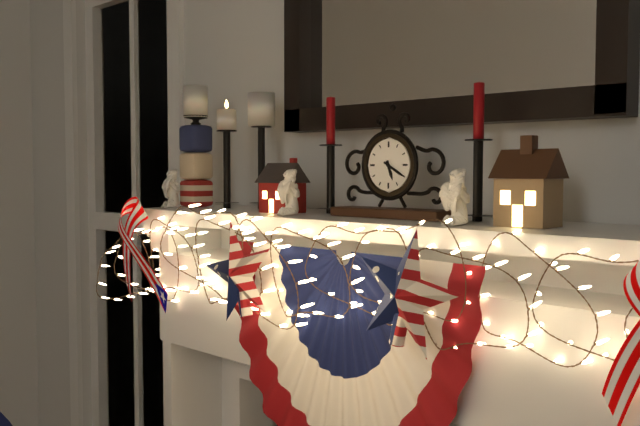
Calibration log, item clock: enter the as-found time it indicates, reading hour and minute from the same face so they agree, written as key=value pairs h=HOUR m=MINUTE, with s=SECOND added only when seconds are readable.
h=5 m=20
